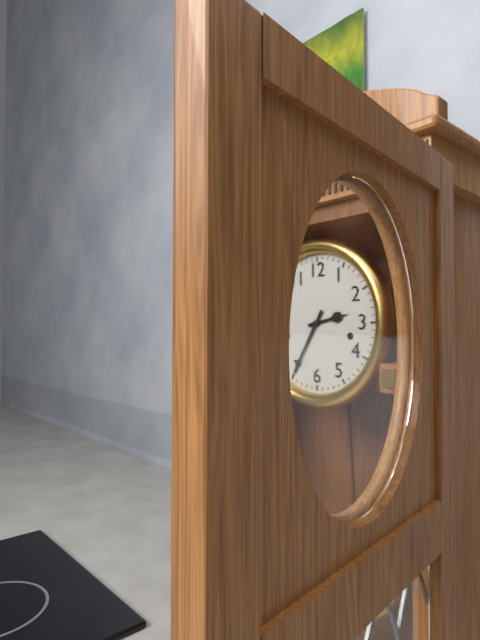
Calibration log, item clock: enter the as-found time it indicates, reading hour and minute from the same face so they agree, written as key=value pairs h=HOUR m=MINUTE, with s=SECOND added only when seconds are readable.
h=2 m=35
